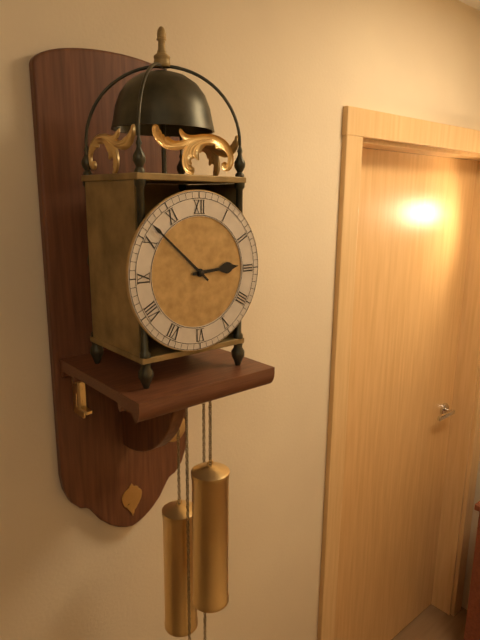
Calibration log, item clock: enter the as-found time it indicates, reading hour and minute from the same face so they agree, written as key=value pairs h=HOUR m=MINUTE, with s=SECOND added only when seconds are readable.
h=2 m=52
